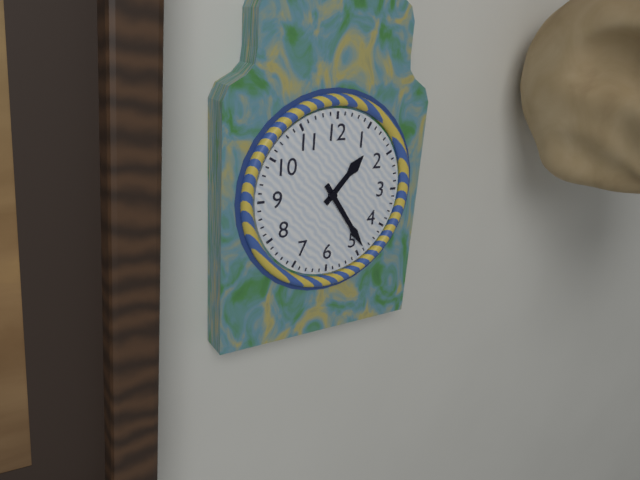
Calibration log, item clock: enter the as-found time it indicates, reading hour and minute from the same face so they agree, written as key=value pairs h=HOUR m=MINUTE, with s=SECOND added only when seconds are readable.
h=1 m=24
